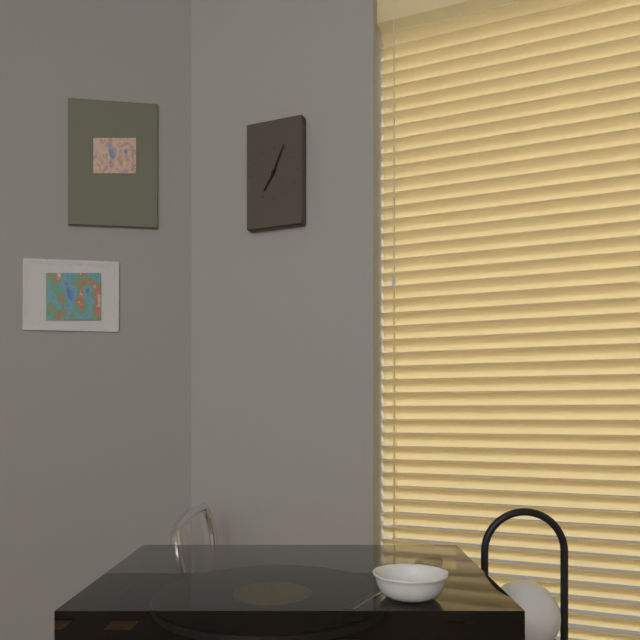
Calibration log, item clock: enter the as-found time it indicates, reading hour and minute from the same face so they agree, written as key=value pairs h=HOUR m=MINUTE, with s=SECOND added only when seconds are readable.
h=7 m=4
